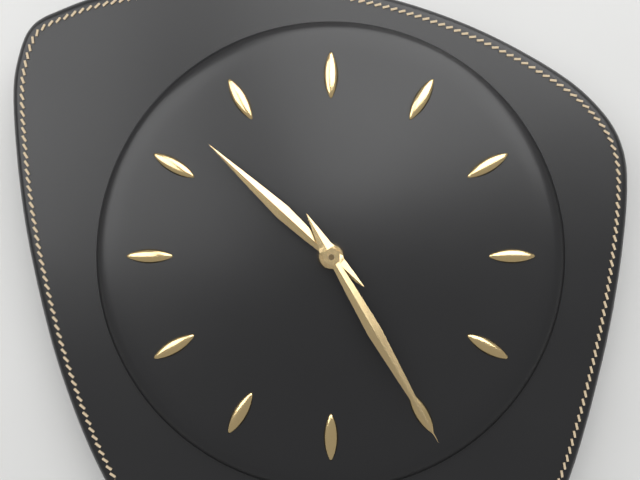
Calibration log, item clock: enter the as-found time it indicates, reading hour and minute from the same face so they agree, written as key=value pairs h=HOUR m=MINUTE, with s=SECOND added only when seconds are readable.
h=10 m=25
